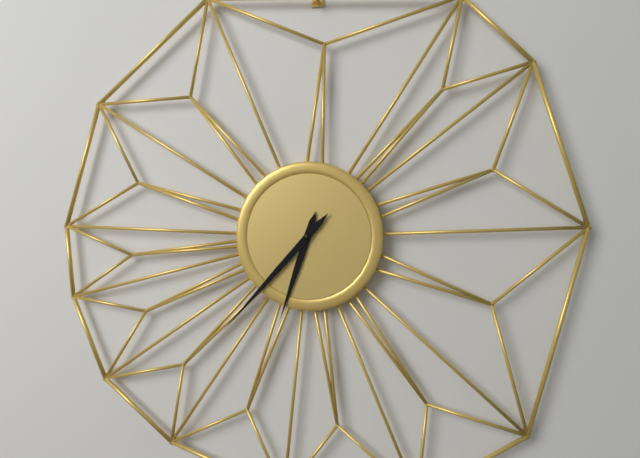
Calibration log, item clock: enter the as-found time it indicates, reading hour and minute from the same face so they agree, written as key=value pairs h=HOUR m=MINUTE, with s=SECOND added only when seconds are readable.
h=6 m=37
